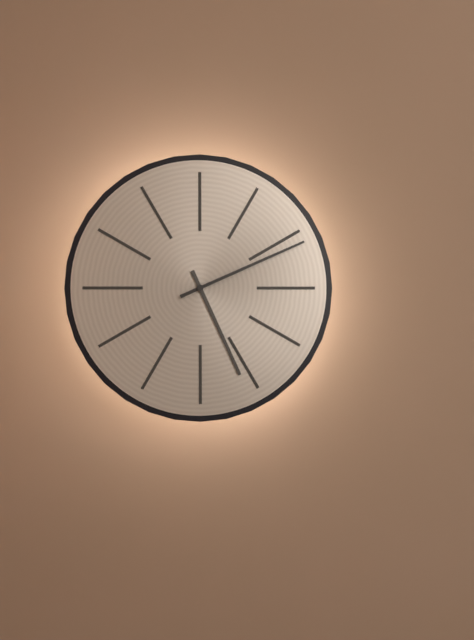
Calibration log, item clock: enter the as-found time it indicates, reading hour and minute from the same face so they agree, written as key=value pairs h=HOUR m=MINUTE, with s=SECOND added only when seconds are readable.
h=5 m=11
